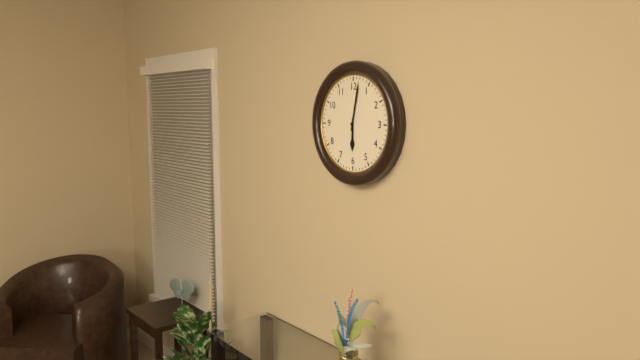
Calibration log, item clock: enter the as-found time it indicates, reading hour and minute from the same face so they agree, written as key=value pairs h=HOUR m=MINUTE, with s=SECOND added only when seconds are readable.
h=6 m=2
